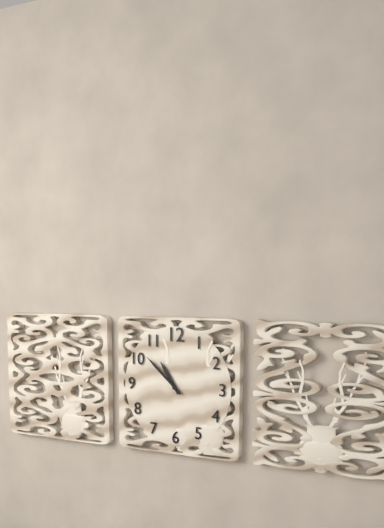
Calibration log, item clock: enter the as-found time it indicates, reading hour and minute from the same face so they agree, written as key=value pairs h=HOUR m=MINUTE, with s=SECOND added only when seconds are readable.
h=10 m=52
